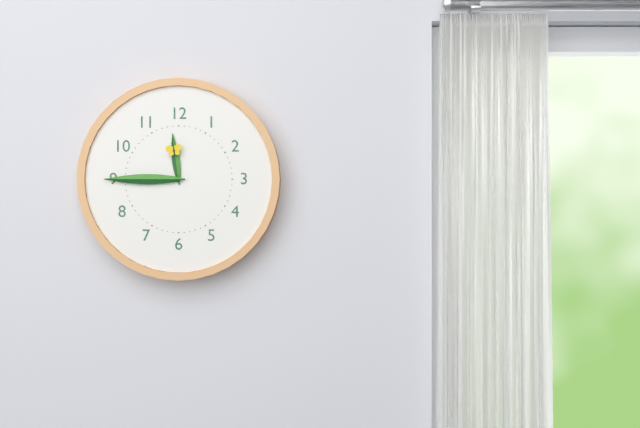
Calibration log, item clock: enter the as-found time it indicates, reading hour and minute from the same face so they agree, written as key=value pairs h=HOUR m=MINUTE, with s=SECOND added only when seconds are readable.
h=11 m=45
